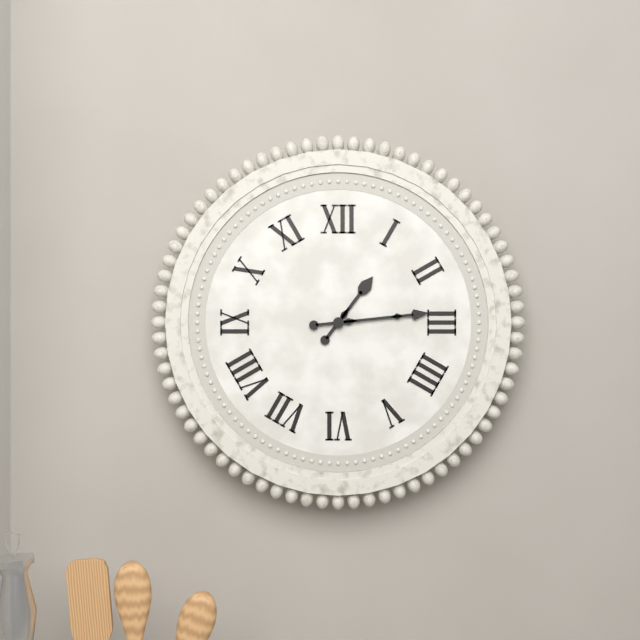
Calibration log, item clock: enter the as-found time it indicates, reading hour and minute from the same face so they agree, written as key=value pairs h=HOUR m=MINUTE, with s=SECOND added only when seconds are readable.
h=1 m=14
